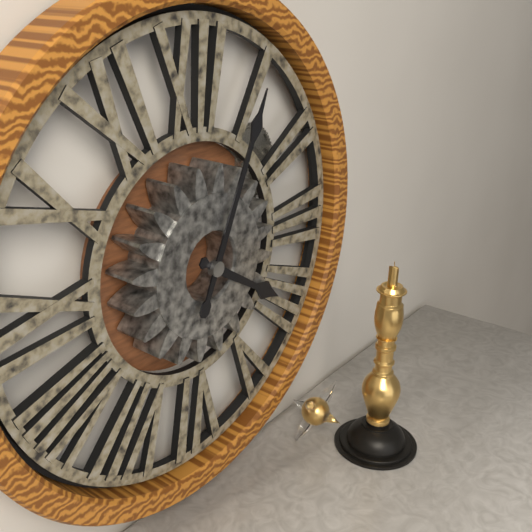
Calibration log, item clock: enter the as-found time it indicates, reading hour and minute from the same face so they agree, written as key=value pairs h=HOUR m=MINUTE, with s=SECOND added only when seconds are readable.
h=4 m=4
